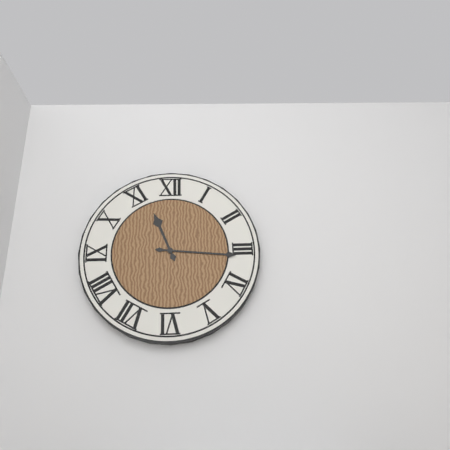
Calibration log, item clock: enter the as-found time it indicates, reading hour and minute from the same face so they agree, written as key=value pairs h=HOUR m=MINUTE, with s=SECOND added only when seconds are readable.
h=11 m=16
